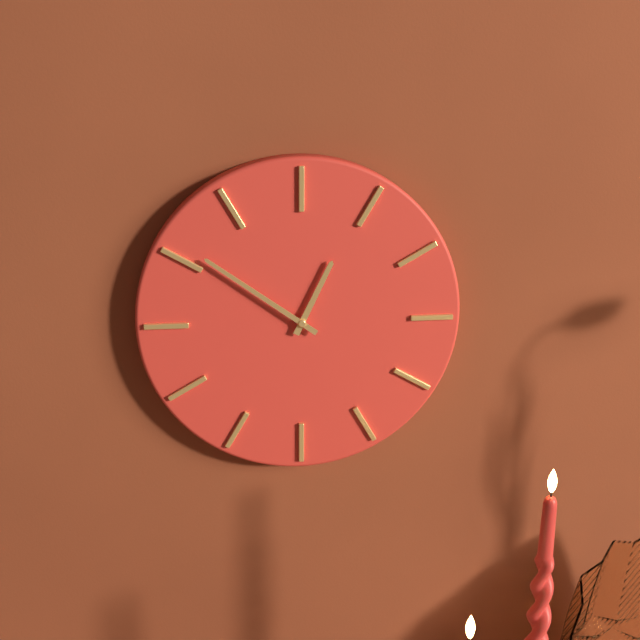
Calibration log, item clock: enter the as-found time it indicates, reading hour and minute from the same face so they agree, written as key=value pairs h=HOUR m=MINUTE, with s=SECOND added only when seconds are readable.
h=12 m=51
